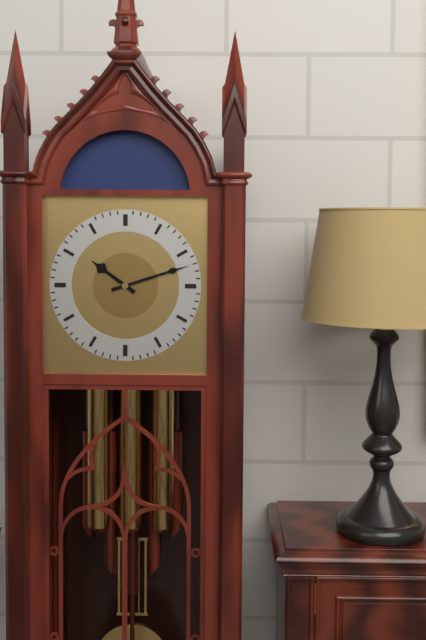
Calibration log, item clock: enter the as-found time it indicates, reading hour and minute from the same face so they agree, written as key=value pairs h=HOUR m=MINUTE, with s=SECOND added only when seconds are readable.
h=10 m=12
